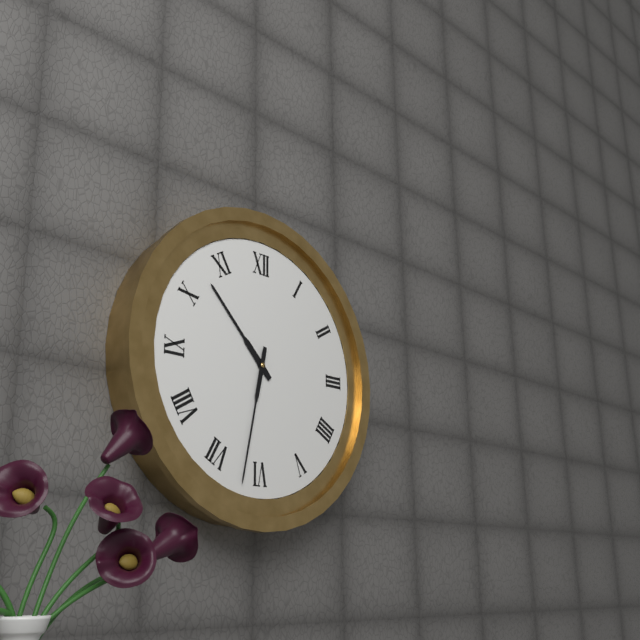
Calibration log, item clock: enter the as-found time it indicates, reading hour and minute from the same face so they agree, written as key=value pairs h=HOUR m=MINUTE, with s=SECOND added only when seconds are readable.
h=10 m=32
